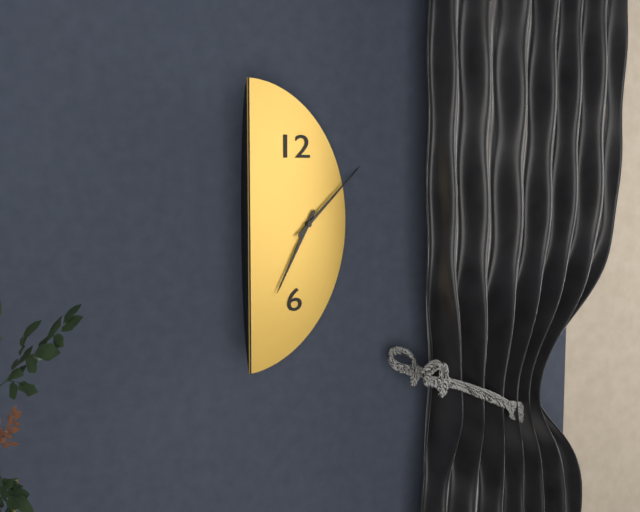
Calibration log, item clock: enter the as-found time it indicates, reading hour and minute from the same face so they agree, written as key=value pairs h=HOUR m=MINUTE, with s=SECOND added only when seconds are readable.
h=7 m=9
